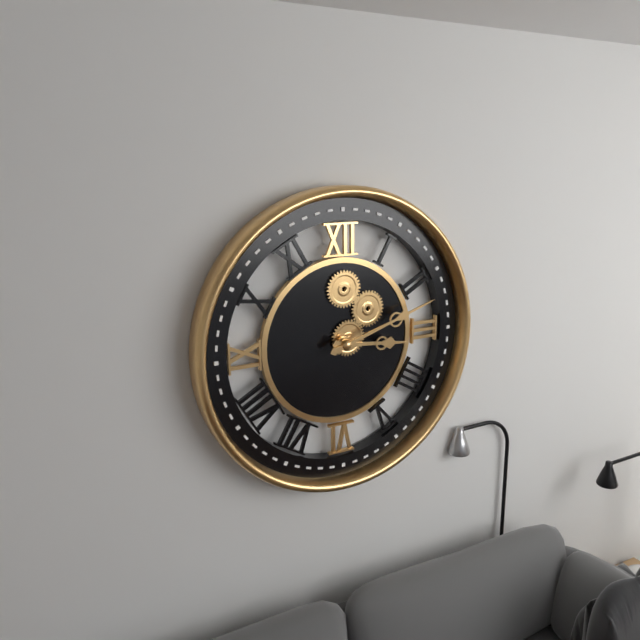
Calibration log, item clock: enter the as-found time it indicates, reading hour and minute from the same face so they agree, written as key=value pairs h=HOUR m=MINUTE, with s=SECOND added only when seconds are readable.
h=3 m=12
